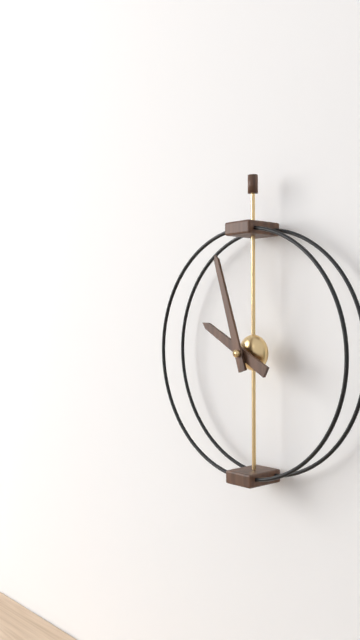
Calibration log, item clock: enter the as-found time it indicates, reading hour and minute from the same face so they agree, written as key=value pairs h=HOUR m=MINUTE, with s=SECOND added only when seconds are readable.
h=9 m=57
